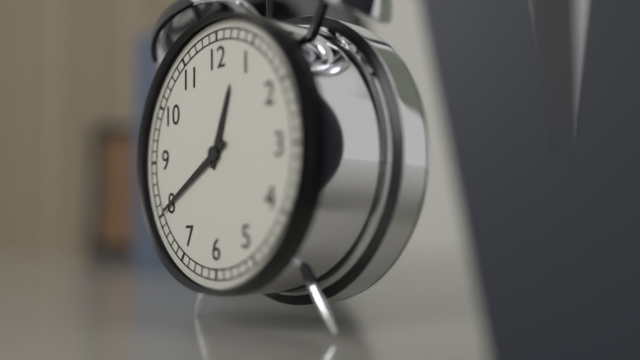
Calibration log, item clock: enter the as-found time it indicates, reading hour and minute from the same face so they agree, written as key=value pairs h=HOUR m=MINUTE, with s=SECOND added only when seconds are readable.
h=12 m=40
